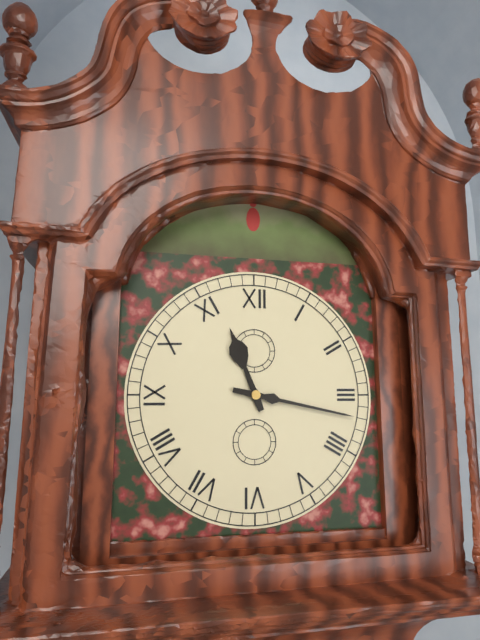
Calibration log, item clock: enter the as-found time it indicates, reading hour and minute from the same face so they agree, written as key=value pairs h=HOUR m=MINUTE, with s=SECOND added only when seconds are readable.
h=11 m=17
